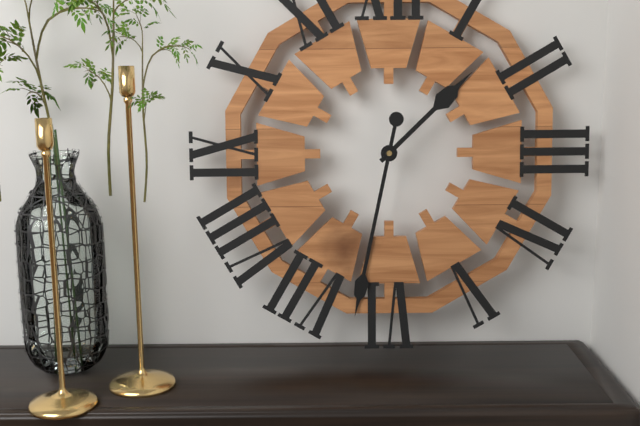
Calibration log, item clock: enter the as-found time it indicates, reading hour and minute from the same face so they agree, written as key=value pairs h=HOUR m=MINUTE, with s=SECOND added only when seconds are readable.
h=1 m=32
